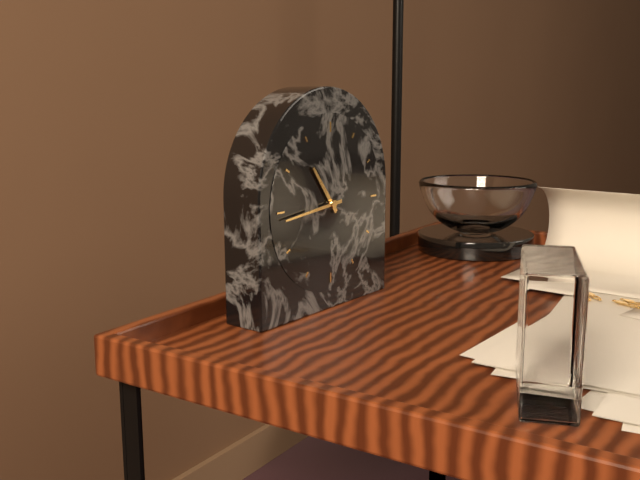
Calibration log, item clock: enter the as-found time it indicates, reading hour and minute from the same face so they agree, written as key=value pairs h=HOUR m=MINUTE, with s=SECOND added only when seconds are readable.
h=10 m=44
